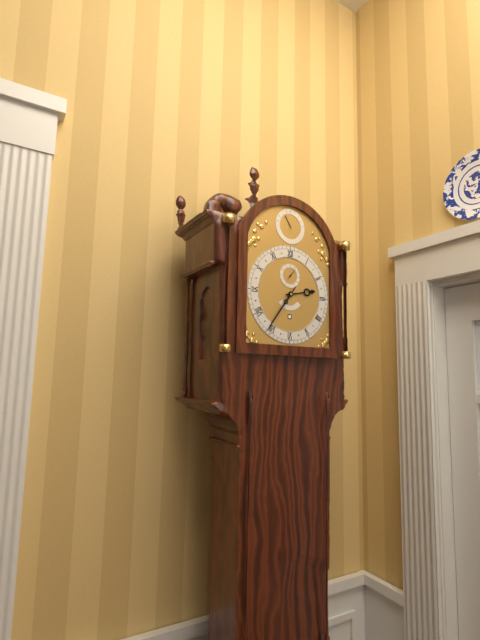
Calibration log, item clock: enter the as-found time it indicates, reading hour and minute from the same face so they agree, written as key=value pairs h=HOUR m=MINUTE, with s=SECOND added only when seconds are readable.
h=2 m=36
